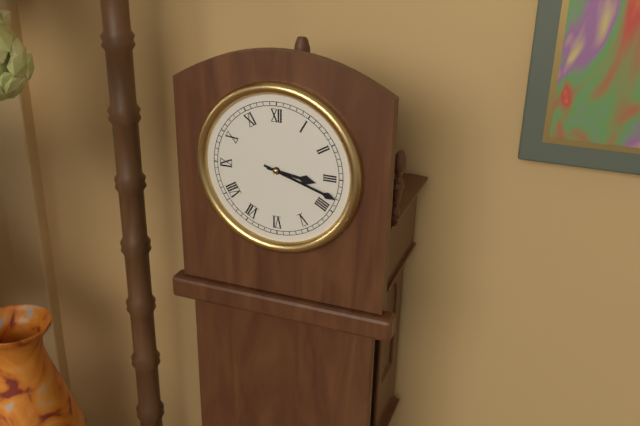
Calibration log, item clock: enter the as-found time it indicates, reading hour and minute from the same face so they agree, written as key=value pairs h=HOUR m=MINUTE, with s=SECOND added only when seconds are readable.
h=3 m=18
